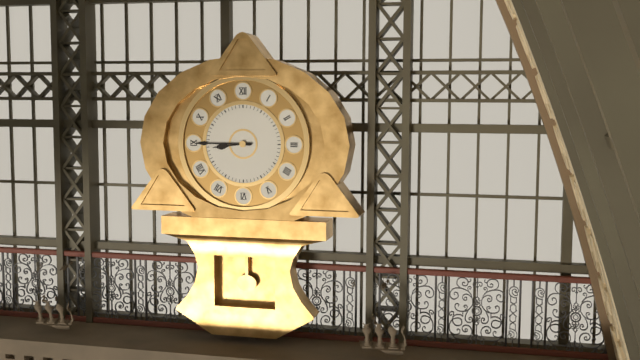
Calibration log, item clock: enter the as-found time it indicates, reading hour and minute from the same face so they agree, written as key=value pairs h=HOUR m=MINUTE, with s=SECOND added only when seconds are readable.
h=8 m=45
